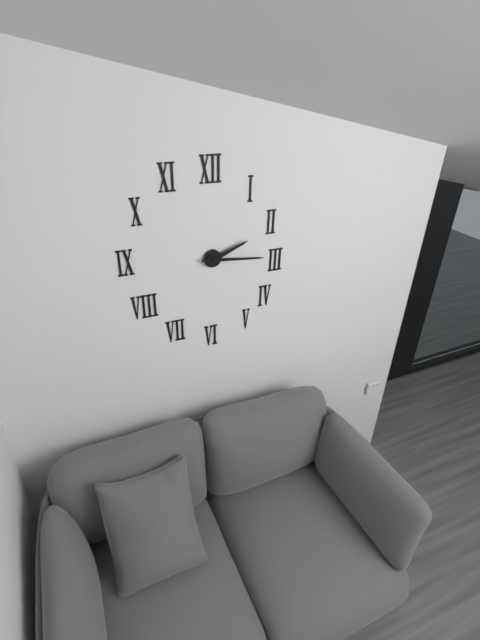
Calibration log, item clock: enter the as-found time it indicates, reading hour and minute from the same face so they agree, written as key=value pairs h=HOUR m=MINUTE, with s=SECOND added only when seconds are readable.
h=2 m=16
